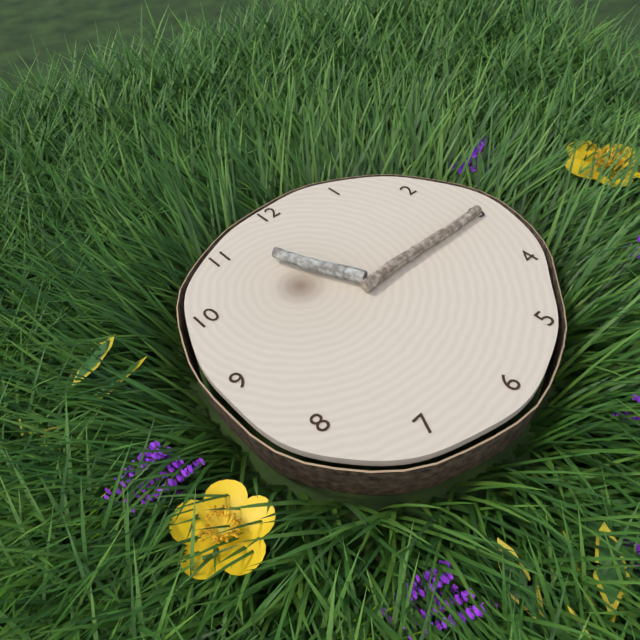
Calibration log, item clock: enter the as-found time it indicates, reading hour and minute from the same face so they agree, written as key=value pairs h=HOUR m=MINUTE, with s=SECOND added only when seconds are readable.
h=11 m=15
